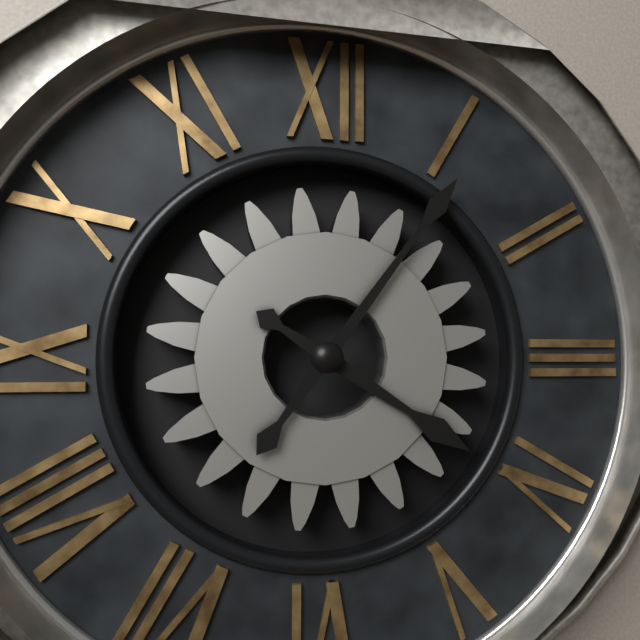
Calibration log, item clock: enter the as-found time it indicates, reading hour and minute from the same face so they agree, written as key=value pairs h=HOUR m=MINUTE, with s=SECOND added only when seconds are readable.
h=4 m=6
